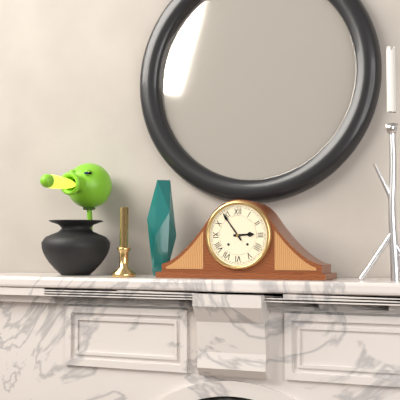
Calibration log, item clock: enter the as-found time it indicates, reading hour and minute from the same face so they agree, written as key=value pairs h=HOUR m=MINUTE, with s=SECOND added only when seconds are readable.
h=2 m=54
